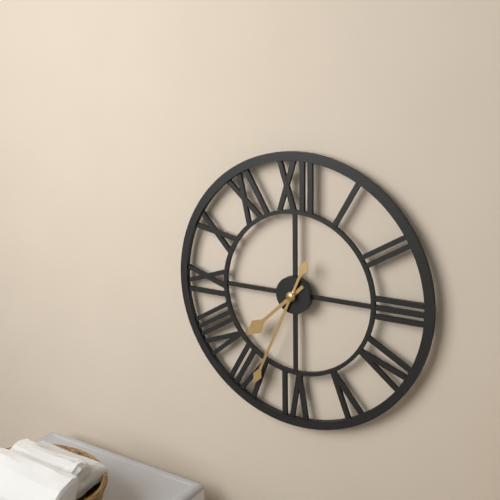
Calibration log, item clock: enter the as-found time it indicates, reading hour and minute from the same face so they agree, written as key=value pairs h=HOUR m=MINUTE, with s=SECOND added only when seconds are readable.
h=7 m=34
